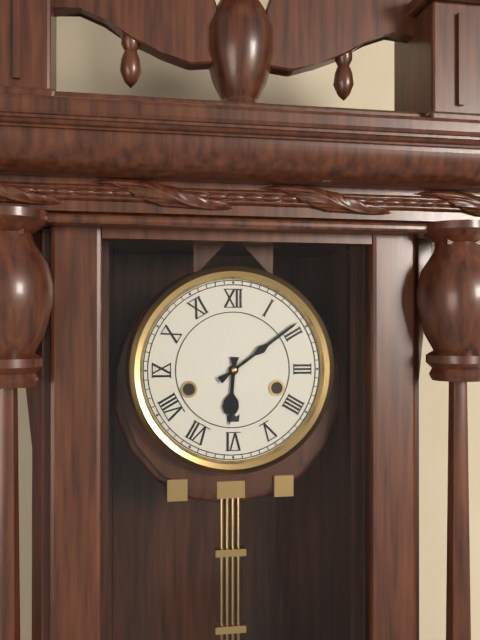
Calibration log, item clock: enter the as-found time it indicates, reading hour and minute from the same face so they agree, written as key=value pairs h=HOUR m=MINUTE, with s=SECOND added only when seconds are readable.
h=6 m=9
